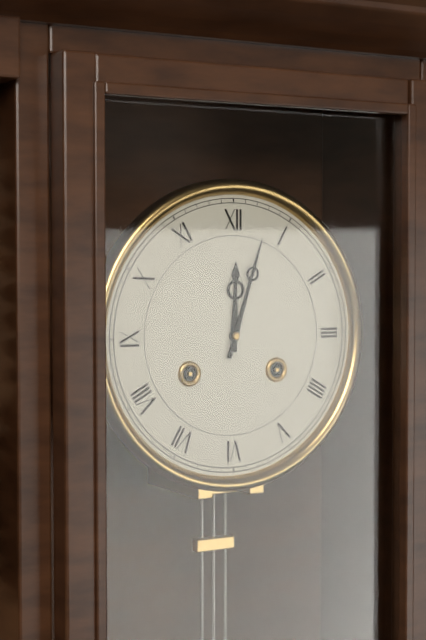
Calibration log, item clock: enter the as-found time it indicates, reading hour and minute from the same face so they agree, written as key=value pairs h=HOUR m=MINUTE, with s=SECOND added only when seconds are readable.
h=12 m=3
